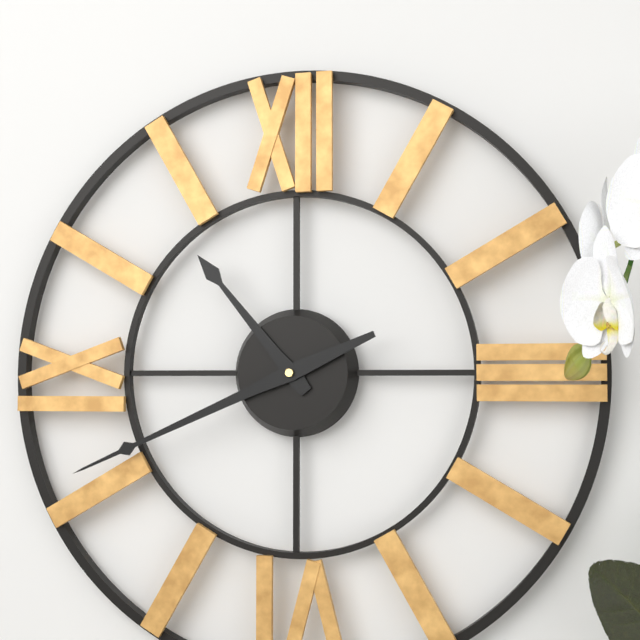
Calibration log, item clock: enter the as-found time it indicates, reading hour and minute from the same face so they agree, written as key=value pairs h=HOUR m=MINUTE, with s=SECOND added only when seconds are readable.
h=10 m=41
